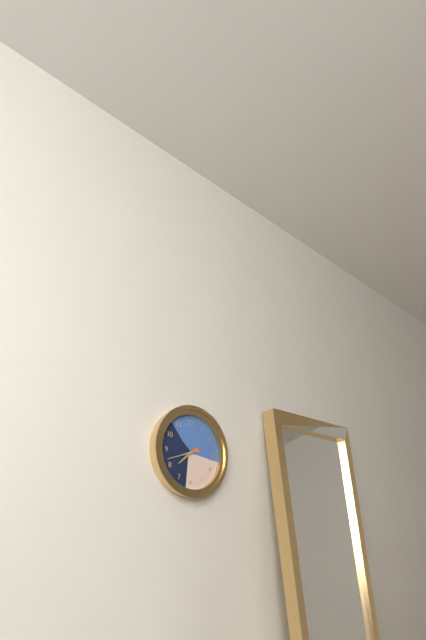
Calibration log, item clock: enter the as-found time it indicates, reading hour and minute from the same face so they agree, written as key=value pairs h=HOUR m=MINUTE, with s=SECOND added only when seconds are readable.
h=7 m=42
